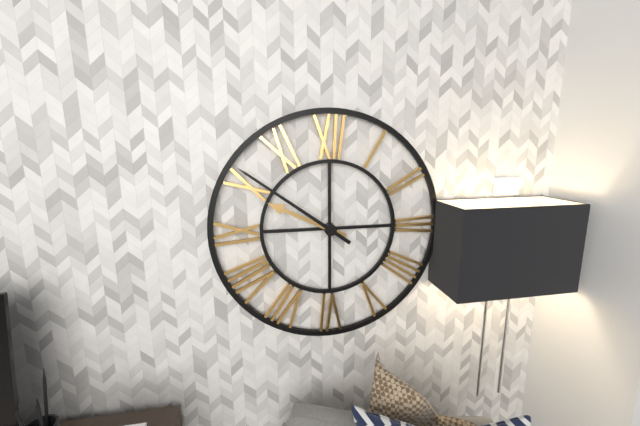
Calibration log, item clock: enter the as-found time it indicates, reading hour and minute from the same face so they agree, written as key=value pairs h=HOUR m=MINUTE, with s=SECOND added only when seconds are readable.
h=9 m=51
